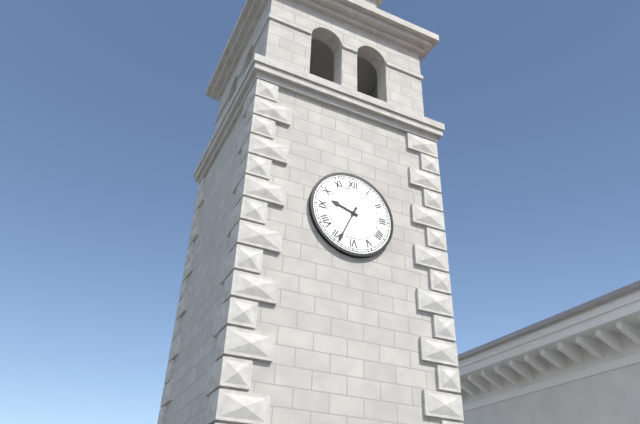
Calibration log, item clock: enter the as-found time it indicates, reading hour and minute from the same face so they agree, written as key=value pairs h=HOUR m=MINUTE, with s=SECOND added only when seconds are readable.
h=9 m=34
